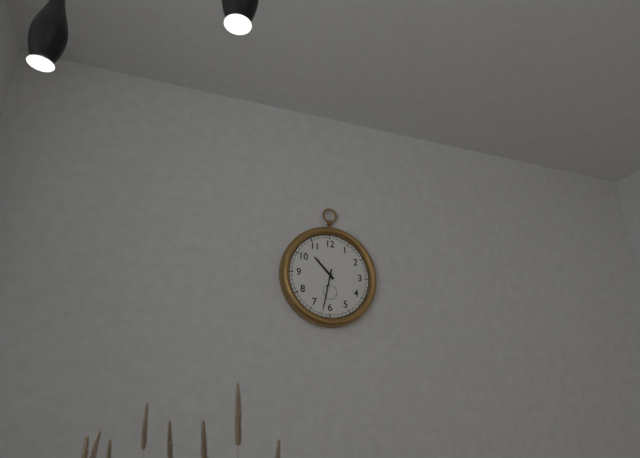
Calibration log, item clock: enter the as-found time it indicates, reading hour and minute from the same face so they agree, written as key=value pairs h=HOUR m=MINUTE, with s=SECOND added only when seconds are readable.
h=10 m=32
